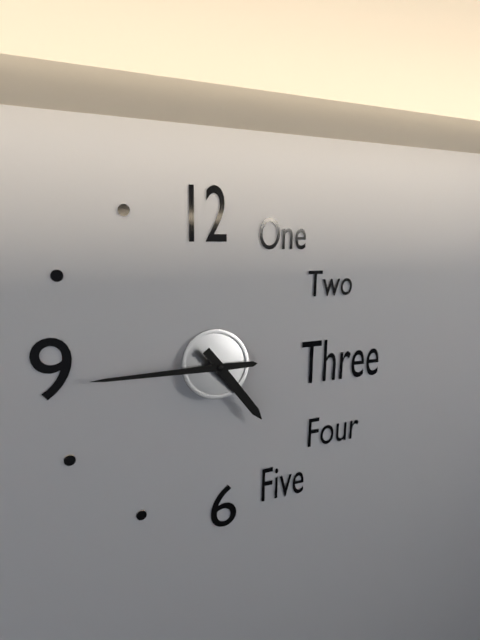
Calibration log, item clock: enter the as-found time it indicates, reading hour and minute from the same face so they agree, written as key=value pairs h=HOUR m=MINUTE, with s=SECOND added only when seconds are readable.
h=4 m=45
